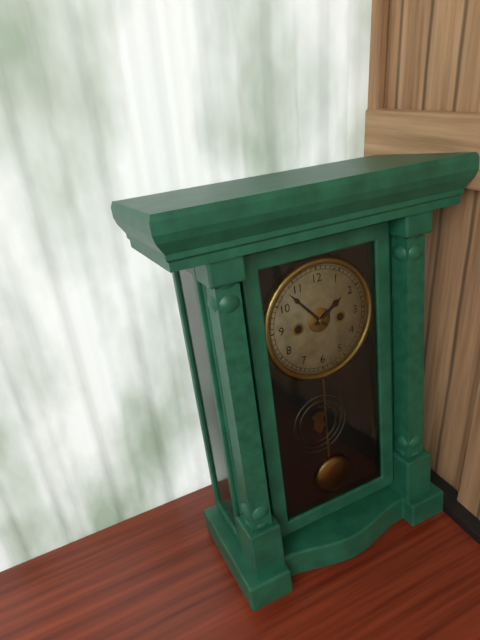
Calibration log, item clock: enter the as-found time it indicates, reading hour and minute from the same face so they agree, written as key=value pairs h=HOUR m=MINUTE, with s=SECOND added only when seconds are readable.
h=1 m=53
